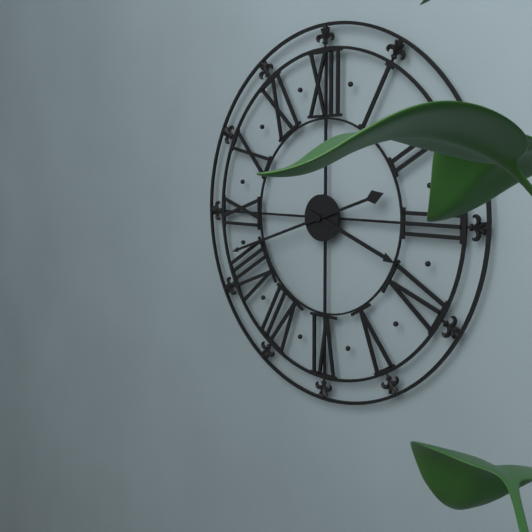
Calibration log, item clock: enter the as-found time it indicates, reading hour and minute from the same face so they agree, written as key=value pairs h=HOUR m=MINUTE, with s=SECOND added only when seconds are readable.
h=3 m=42
